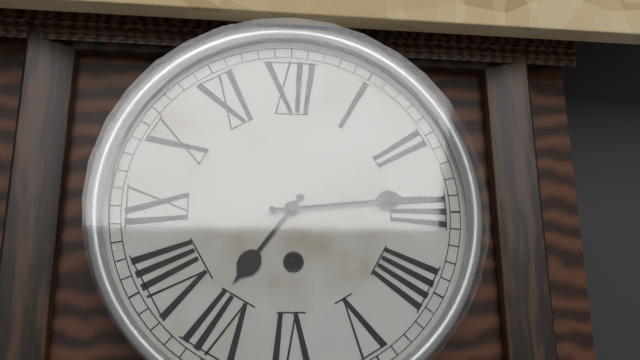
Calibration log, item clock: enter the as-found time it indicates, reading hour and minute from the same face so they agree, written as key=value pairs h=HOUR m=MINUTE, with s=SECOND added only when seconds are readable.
h=7 m=14
